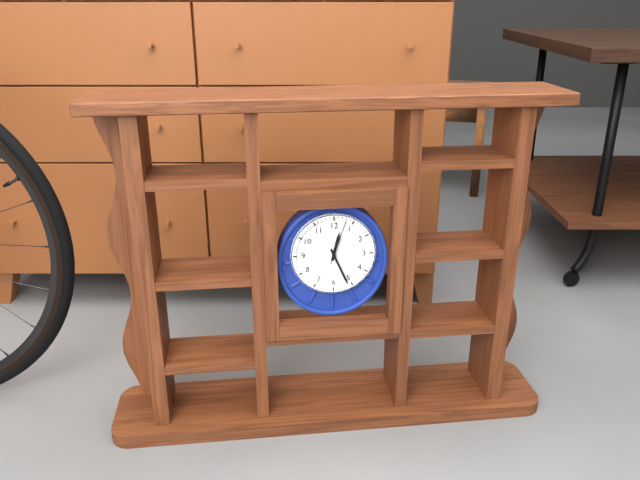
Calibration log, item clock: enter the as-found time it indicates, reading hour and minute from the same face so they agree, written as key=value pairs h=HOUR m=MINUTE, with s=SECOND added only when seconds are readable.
h=12 m=26
